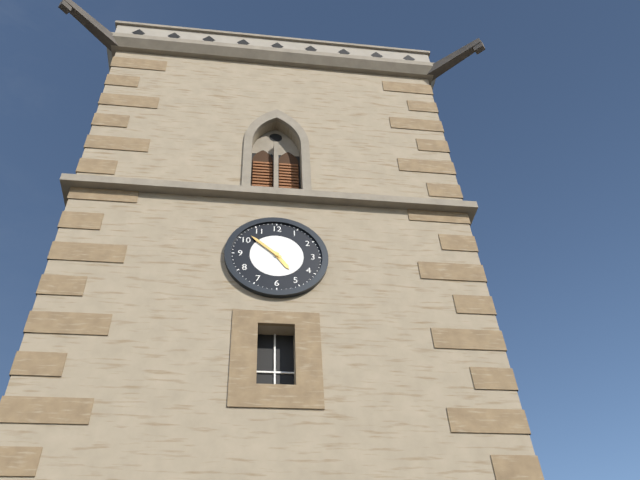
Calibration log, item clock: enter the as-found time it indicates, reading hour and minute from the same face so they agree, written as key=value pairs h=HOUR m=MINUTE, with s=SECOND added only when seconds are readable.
h=4 m=52
